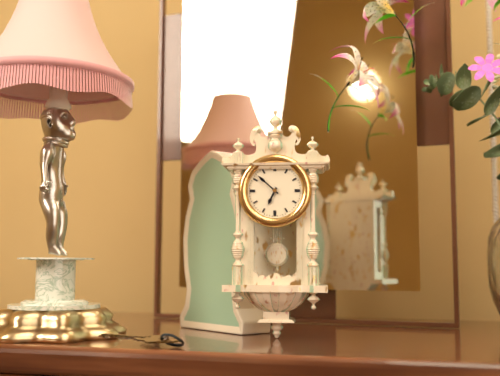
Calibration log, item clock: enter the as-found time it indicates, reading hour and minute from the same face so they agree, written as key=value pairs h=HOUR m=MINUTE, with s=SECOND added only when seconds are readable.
h=6 m=52
